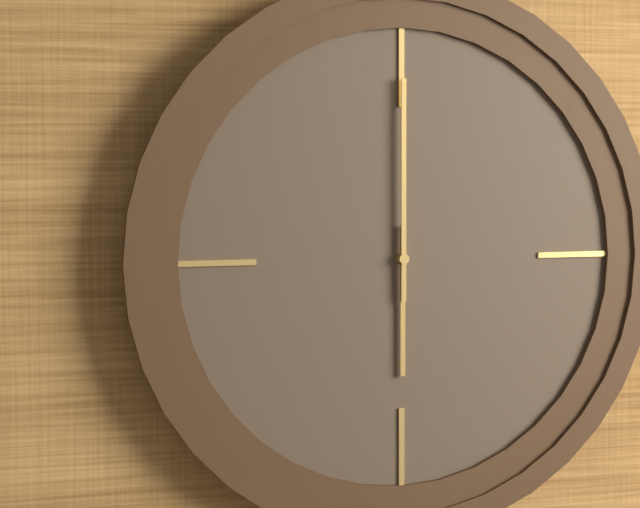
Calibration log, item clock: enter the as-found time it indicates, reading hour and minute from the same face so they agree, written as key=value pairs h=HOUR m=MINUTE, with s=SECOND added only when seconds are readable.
h=6 m=0
